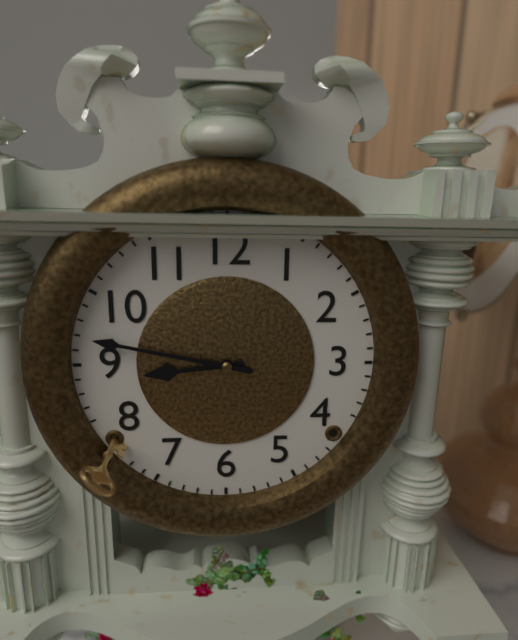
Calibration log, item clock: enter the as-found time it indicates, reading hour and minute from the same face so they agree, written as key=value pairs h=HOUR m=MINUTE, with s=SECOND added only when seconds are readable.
h=8 m=47
